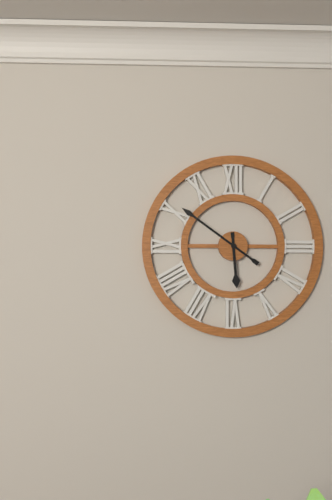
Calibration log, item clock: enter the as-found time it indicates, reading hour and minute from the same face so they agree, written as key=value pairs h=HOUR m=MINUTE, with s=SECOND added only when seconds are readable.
h=5 m=51
